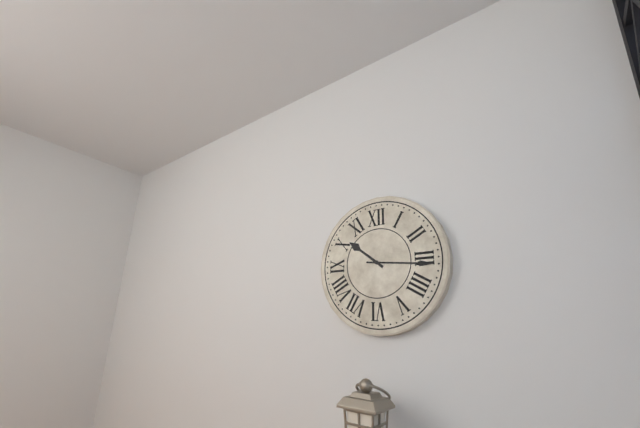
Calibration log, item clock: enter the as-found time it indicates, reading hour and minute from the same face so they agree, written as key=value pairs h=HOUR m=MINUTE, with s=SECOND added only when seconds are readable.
h=10 m=16
